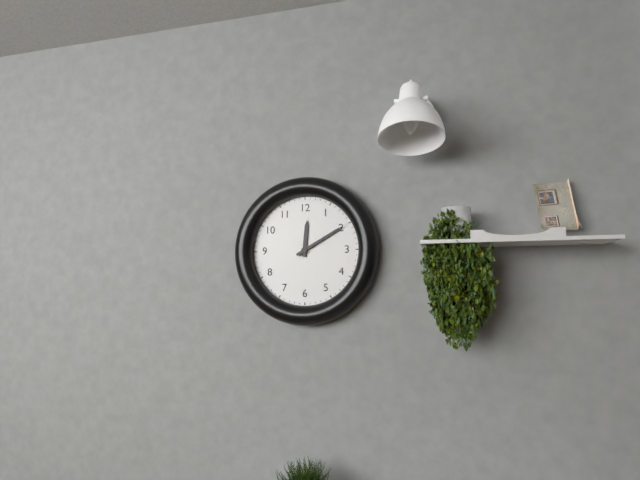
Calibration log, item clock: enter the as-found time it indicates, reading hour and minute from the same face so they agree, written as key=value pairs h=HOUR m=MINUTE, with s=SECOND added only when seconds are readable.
h=12 m=10
